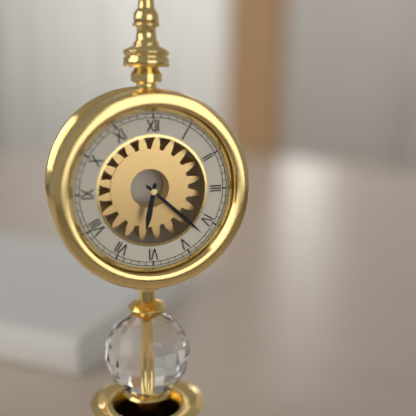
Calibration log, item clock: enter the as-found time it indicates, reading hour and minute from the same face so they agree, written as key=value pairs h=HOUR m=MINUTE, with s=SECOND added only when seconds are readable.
h=6 m=22
